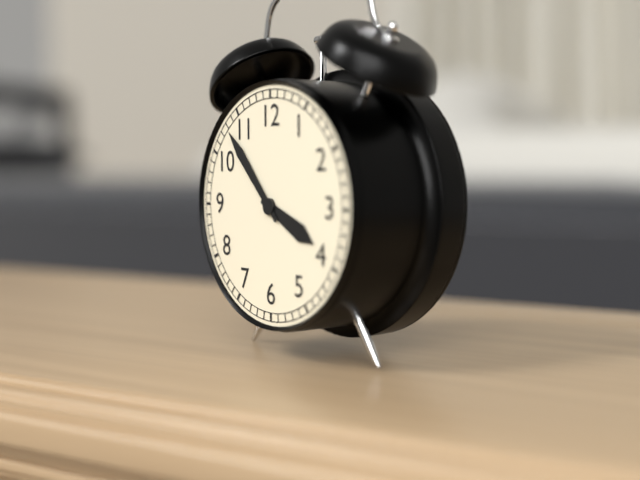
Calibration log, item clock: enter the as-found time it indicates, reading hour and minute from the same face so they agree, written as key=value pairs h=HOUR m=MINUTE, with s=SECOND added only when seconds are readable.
h=3 m=53
